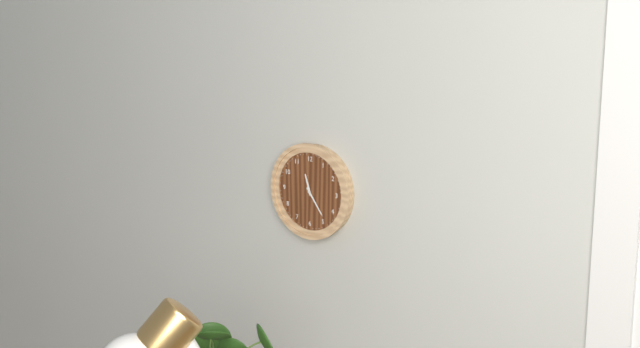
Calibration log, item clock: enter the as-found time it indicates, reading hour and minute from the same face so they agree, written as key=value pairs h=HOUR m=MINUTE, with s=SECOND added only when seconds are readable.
h=11 m=24
